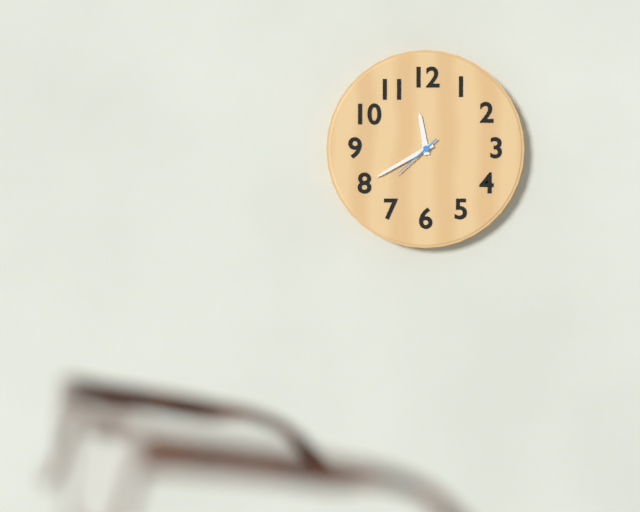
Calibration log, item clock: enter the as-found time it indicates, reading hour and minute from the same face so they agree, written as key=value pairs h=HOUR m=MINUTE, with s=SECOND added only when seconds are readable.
h=11 m=40
